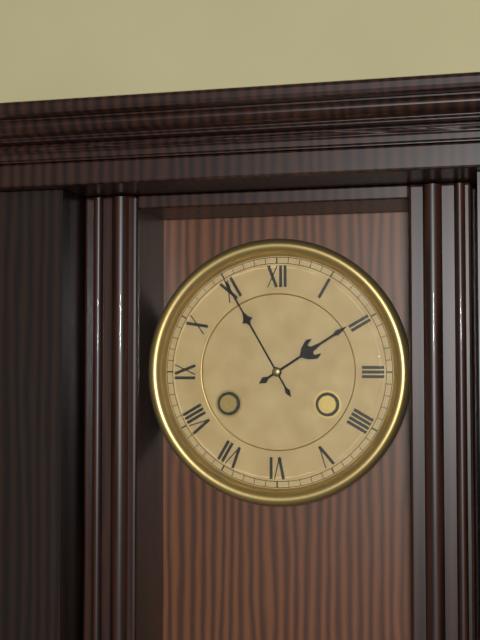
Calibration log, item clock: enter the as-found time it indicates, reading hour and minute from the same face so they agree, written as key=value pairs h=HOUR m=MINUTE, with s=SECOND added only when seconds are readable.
h=1 m=55
